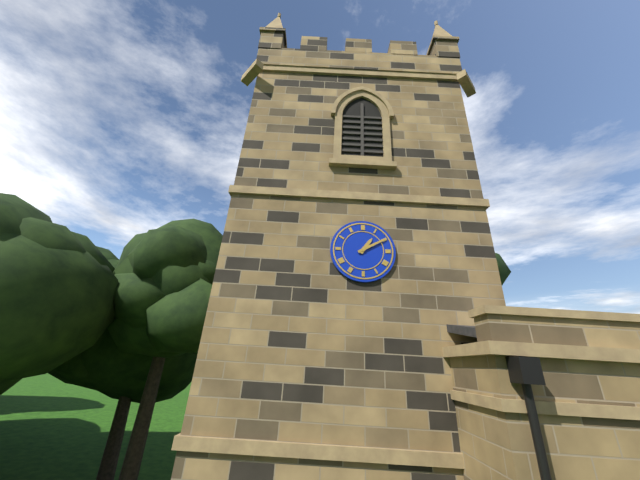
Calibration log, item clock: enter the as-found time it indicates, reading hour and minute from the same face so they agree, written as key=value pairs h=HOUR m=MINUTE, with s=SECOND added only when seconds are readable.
h=1 m=10
